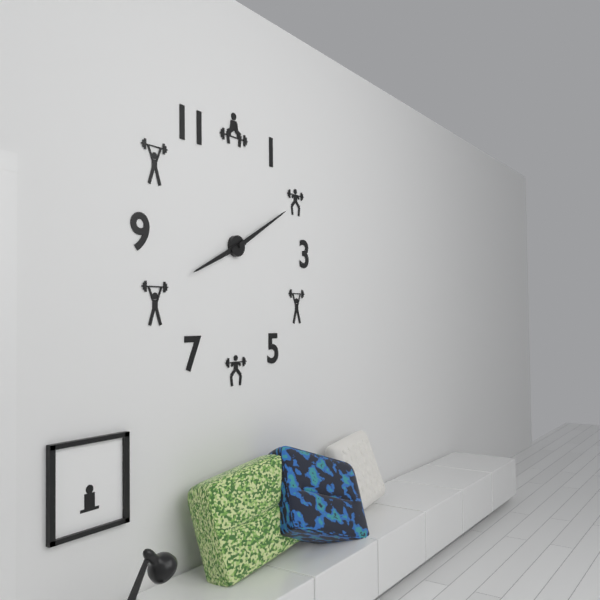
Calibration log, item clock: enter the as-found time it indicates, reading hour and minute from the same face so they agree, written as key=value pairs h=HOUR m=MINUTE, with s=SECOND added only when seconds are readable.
h=8 m=10
